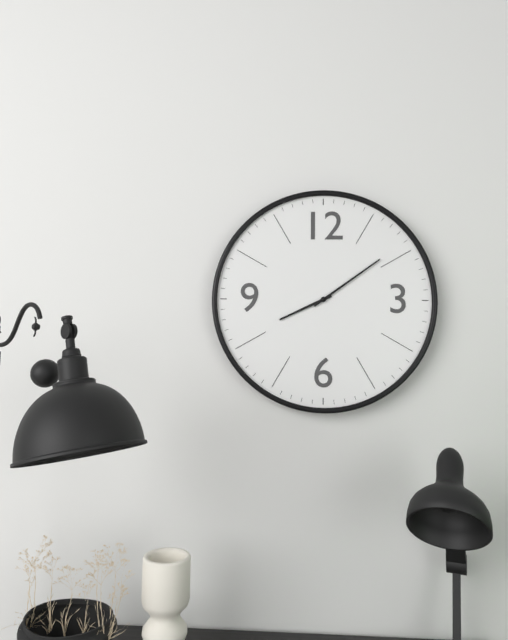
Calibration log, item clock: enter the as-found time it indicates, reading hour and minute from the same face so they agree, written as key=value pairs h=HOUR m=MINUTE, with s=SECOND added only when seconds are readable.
h=8 m=9
